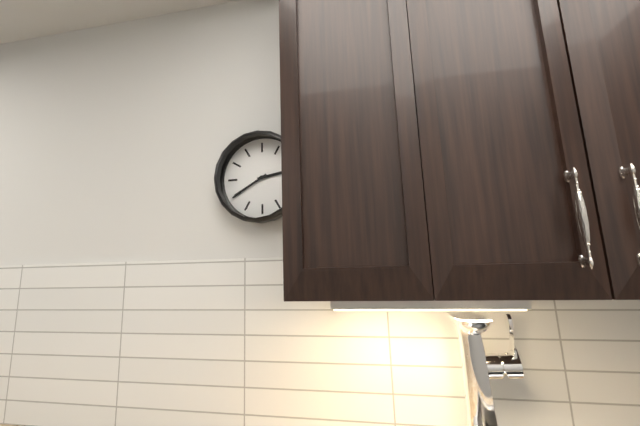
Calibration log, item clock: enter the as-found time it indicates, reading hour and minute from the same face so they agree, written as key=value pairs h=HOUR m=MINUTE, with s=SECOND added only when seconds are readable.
h=2 m=40
